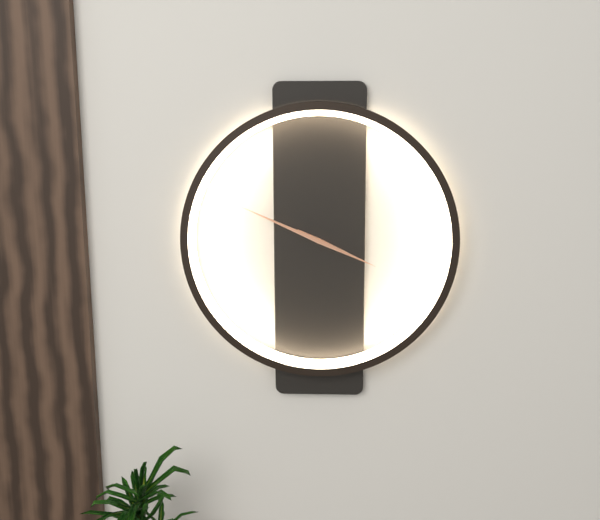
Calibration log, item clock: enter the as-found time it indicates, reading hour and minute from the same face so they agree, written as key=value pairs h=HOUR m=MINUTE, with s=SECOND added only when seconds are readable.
h=3 m=49
